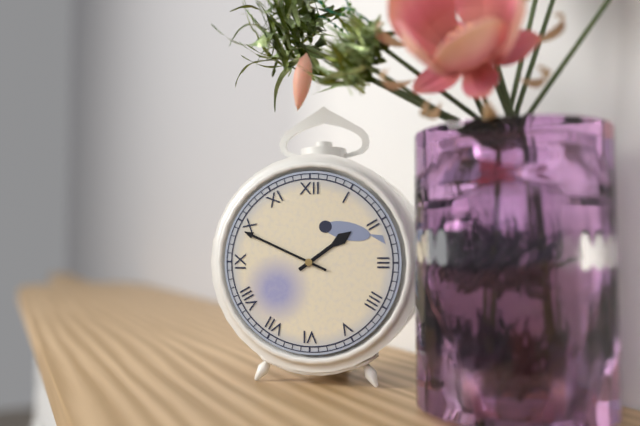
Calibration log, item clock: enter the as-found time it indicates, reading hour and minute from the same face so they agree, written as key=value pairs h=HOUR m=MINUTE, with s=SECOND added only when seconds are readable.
h=1 m=49
